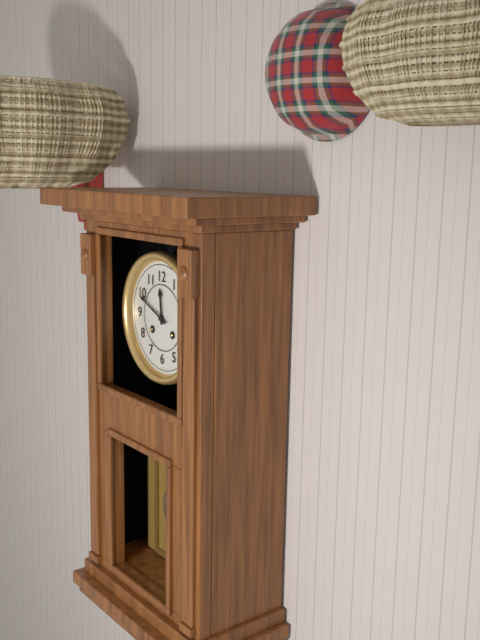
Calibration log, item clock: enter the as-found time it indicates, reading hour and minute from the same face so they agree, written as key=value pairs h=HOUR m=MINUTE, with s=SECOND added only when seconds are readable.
h=11 m=49
